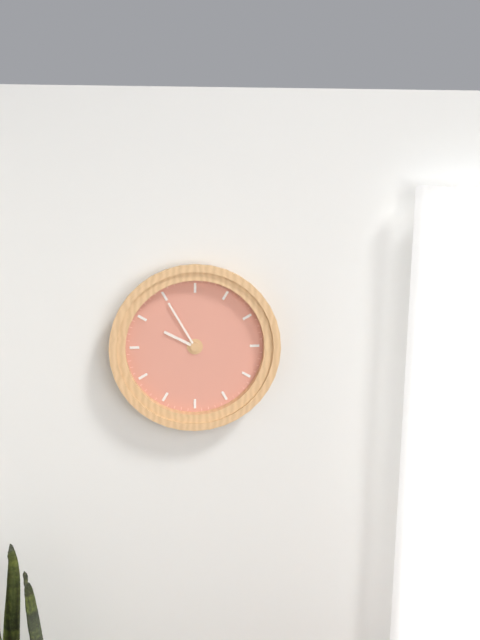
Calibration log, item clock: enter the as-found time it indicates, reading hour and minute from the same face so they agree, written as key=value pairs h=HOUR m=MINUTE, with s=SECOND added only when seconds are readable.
h=9 m=55
